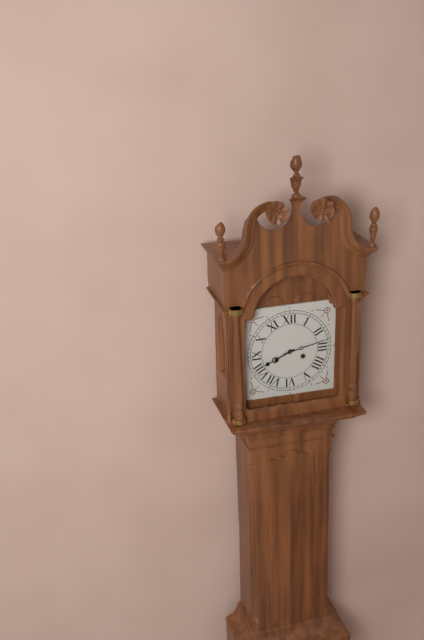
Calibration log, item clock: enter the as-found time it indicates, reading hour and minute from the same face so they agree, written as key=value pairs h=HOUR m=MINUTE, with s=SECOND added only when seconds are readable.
h=8 m=13
